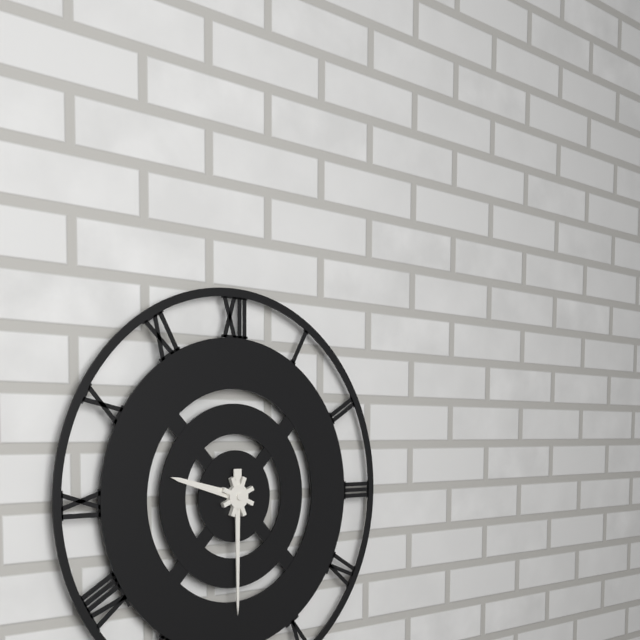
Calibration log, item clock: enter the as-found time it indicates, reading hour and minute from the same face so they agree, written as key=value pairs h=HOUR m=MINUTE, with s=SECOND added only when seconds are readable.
h=9 m=30
